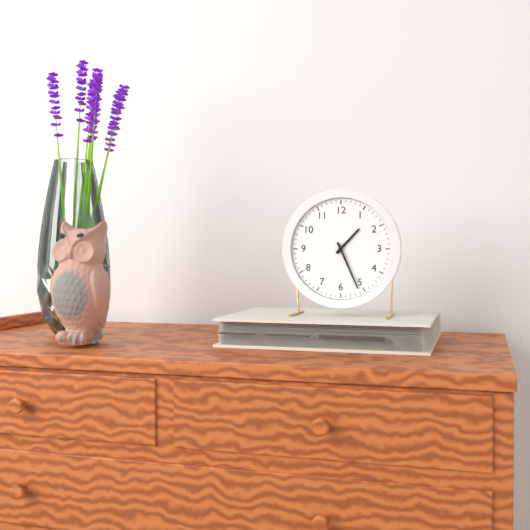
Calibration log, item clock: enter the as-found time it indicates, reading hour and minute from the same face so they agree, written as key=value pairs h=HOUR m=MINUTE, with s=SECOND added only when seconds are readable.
h=1 m=26
